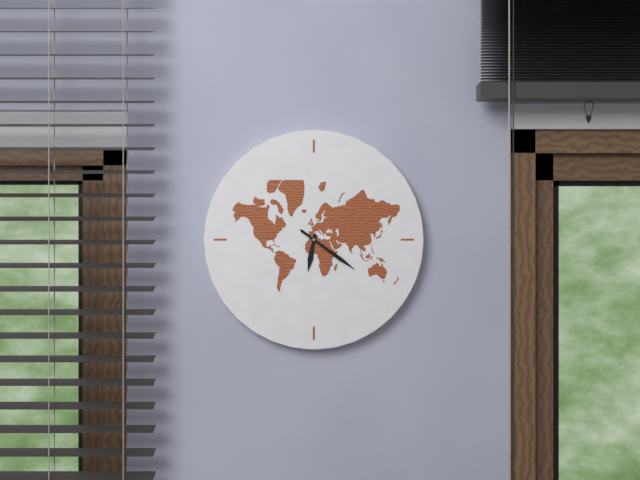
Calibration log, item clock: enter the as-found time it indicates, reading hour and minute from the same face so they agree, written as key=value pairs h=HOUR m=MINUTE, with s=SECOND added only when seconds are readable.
h=6 m=21
